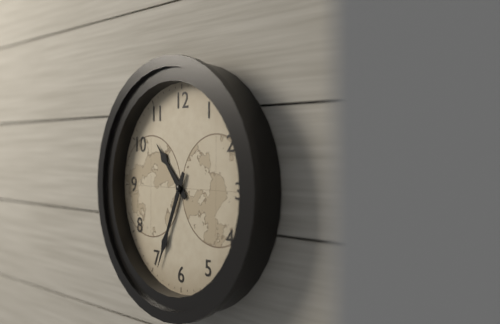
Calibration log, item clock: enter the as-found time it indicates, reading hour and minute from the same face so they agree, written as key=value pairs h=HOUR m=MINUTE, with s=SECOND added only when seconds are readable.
h=10 m=34
